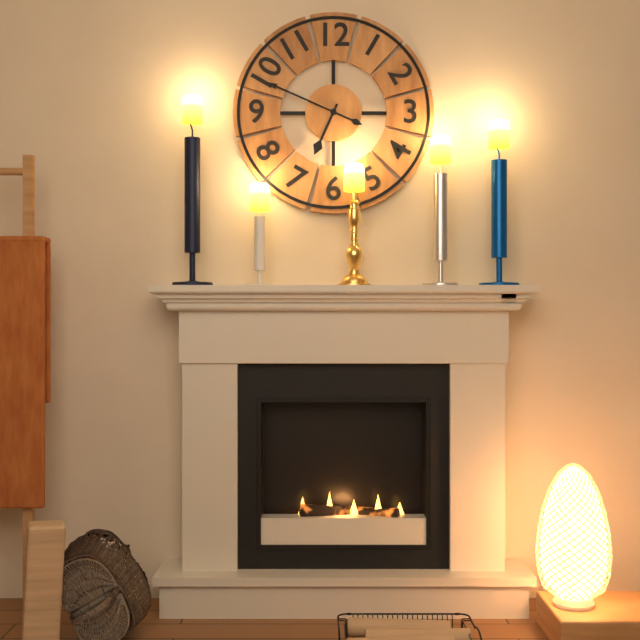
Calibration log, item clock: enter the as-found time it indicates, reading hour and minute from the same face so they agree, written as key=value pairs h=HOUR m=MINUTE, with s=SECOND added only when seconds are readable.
h=6 m=49
